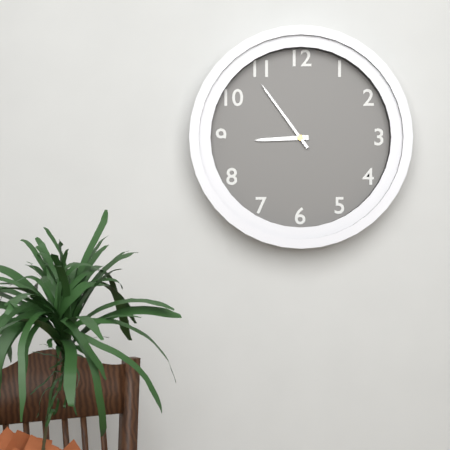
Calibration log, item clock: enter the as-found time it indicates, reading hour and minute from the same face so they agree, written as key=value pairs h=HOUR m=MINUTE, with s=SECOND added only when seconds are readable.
h=8 m=54
